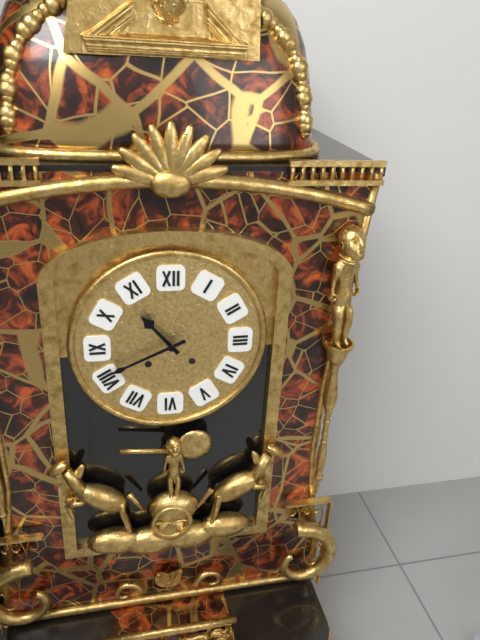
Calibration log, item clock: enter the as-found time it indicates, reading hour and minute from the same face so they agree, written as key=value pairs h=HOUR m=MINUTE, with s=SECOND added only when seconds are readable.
h=10 m=41
